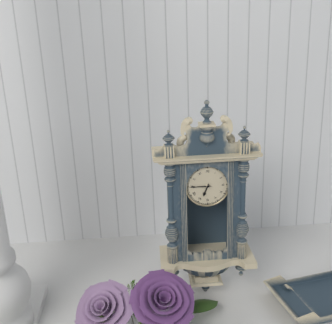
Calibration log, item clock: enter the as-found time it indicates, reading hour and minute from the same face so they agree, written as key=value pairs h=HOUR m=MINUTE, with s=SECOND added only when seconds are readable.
h=6 m=45
